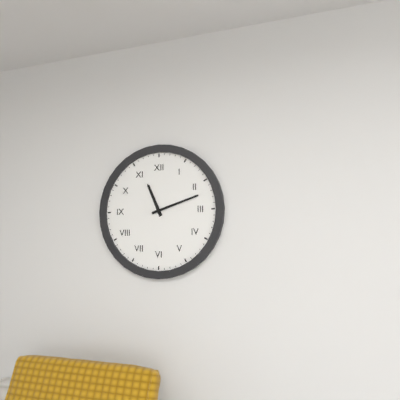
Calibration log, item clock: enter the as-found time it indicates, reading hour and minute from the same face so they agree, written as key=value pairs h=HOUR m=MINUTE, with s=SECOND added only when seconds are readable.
h=11 m=12
